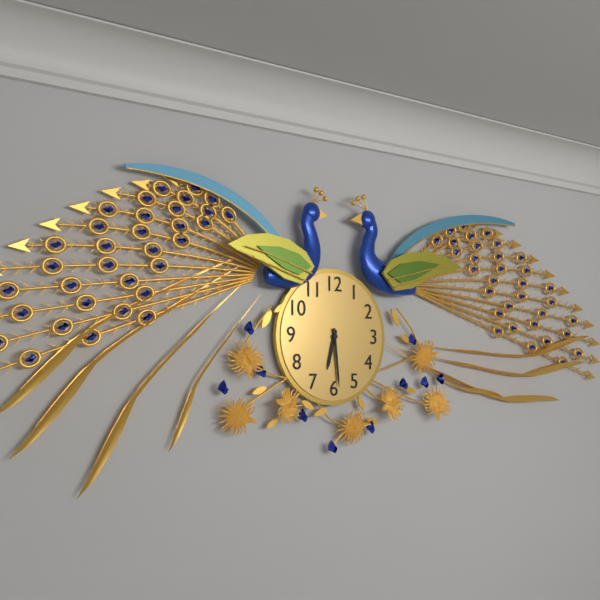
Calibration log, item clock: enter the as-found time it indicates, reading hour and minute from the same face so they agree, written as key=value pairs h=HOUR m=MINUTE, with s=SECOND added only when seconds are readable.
h=6 m=29
